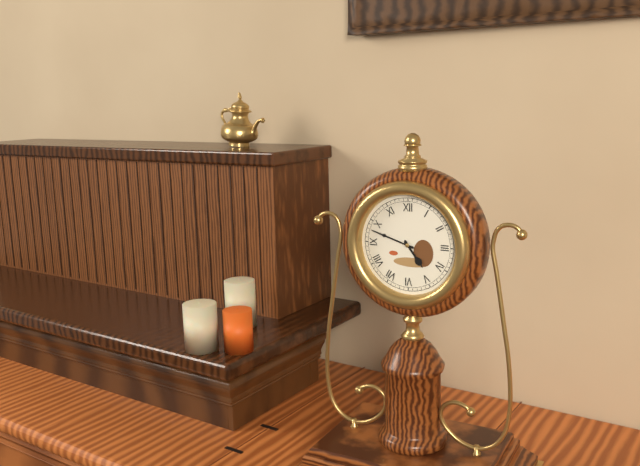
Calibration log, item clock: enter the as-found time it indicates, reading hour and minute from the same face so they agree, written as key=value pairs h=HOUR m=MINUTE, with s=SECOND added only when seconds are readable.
h=4 m=48
